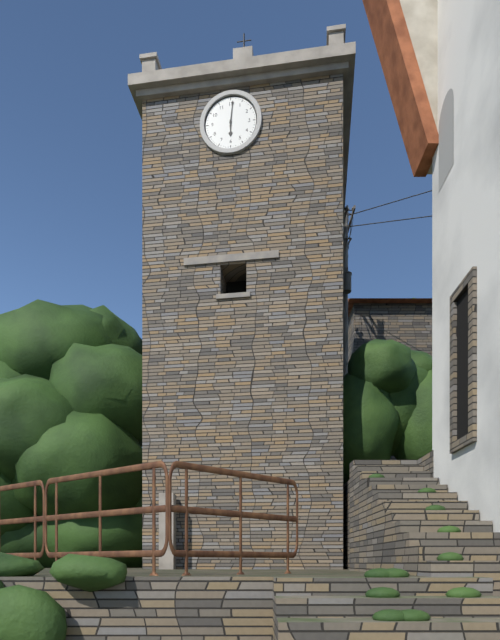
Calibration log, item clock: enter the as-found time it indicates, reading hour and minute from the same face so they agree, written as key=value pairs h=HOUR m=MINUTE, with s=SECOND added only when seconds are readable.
h=6 m=1
